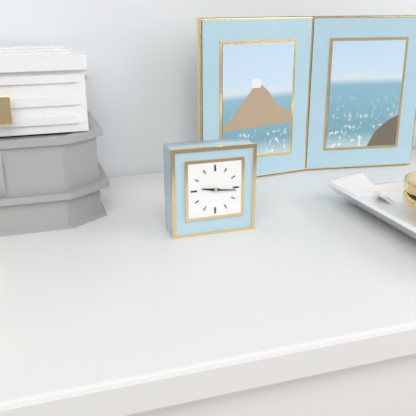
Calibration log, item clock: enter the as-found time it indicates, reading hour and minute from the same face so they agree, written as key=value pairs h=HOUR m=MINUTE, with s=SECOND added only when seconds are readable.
h=9 m=16
